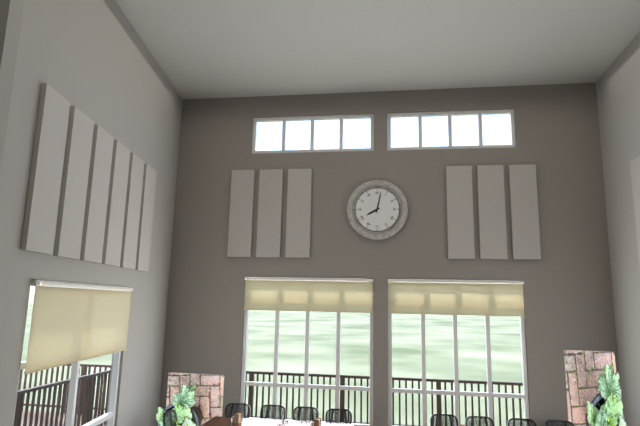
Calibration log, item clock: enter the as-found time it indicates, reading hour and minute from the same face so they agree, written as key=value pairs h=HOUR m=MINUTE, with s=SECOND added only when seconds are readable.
h=8 m=2
